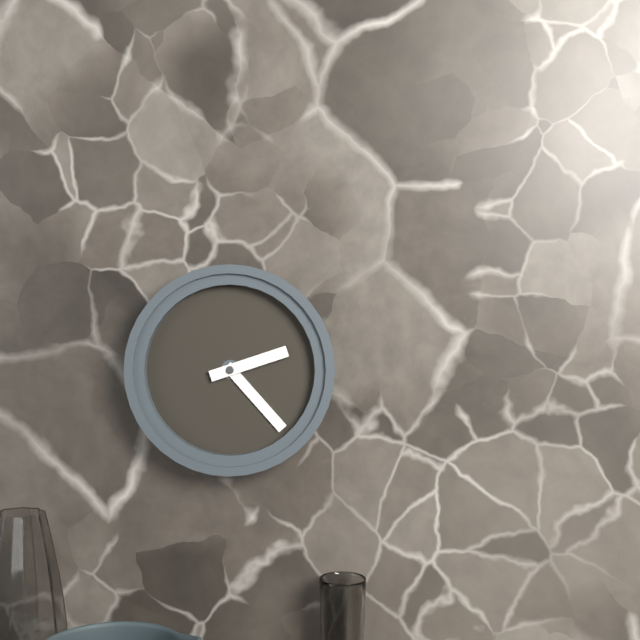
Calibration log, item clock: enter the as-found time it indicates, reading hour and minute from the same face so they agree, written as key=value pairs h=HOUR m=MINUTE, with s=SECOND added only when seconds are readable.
h=2 m=23
